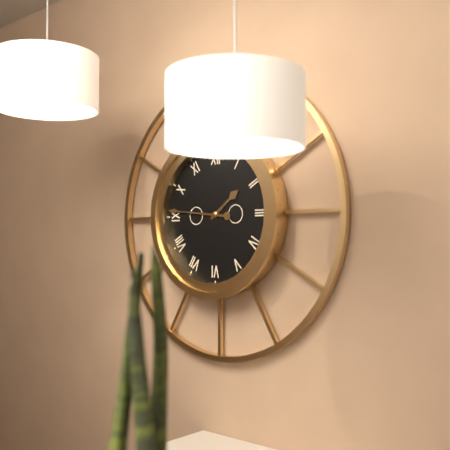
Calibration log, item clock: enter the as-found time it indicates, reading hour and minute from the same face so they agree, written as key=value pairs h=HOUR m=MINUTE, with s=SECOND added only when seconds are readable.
h=1 m=46
